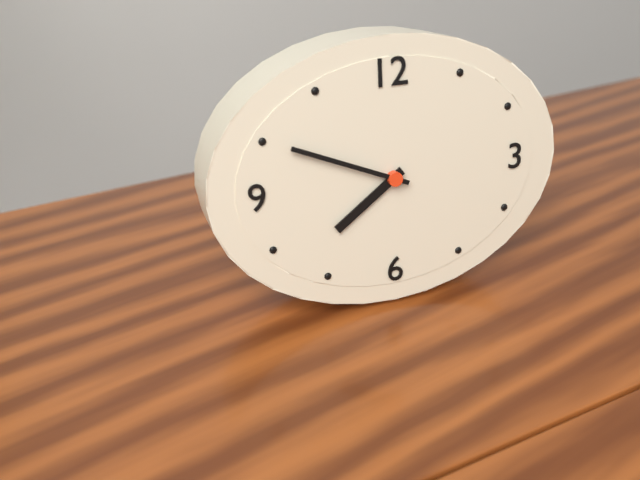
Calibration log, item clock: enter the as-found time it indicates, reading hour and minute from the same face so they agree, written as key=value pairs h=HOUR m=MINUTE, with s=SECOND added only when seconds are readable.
h=7 m=49
